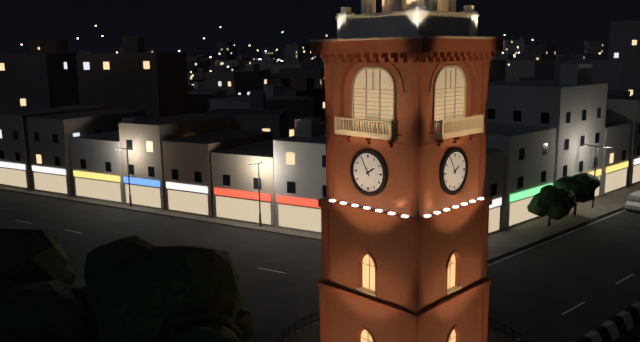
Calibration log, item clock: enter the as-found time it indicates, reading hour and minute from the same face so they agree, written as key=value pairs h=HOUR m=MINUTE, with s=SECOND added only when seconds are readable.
h=1 m=55
